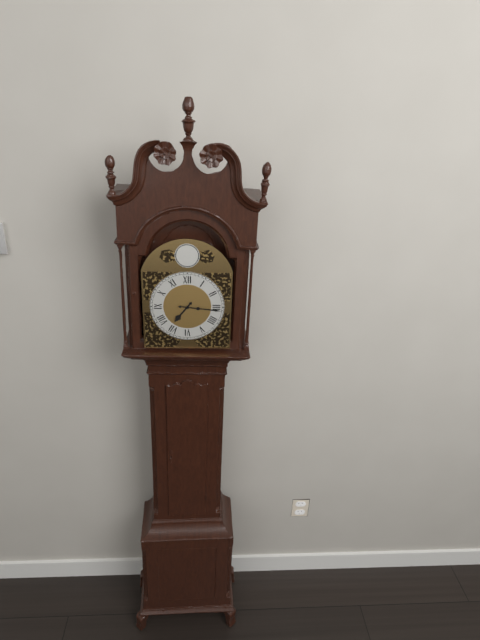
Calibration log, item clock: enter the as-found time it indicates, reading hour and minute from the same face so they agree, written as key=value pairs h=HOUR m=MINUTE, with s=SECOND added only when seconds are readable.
h=7 m=16
